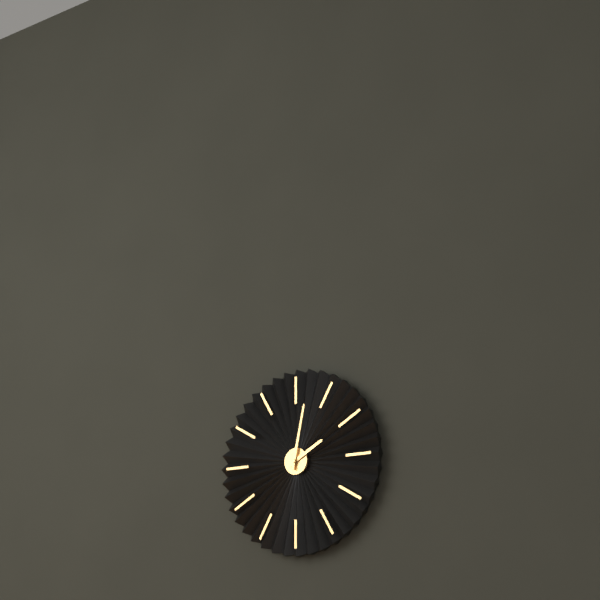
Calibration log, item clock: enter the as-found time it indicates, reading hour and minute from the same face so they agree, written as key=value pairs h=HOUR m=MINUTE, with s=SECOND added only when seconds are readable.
h=2 m=2
